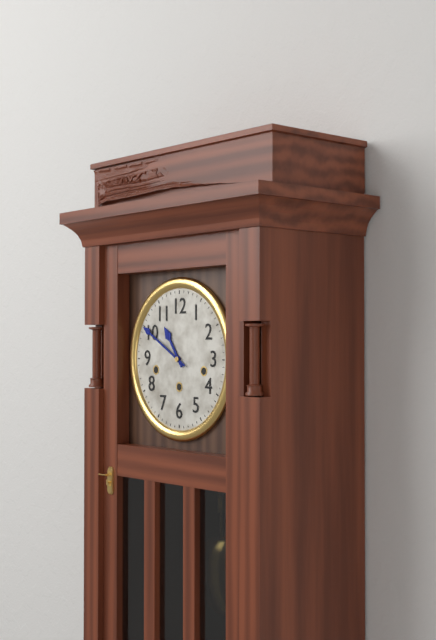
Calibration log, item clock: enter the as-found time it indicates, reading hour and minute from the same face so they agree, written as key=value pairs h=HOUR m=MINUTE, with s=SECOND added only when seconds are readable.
h=10 m=50
